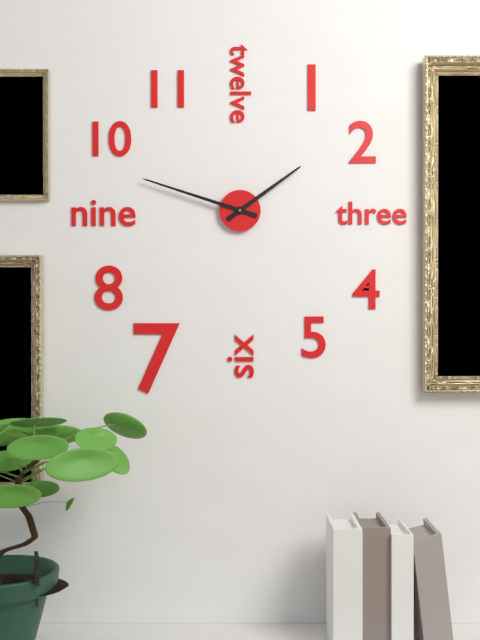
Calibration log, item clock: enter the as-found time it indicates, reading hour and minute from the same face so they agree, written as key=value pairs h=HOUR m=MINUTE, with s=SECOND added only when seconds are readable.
h=1 m=48
